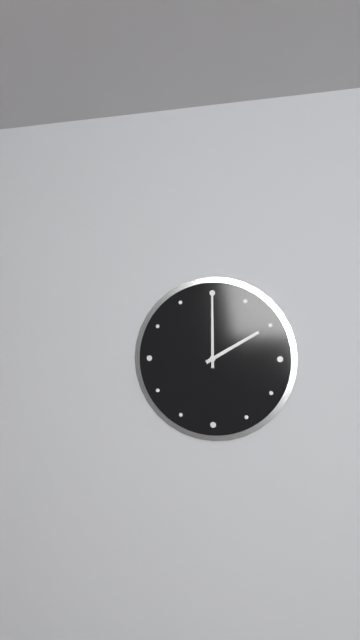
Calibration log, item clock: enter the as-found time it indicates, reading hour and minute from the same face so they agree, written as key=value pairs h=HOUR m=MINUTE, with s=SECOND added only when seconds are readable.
h=2 m=0
